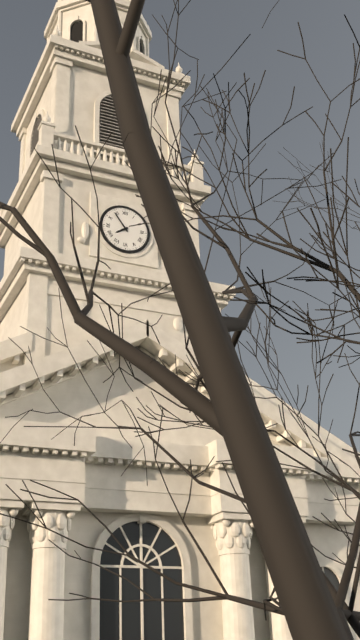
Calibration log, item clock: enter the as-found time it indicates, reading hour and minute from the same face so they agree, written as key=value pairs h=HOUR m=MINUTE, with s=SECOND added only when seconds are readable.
h=7 m=54
